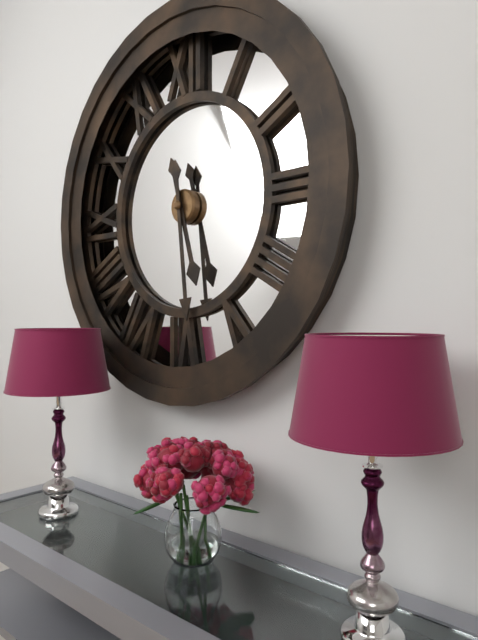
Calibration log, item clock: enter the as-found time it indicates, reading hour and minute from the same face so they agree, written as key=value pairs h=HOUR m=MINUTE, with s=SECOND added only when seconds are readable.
h=5 m=29
